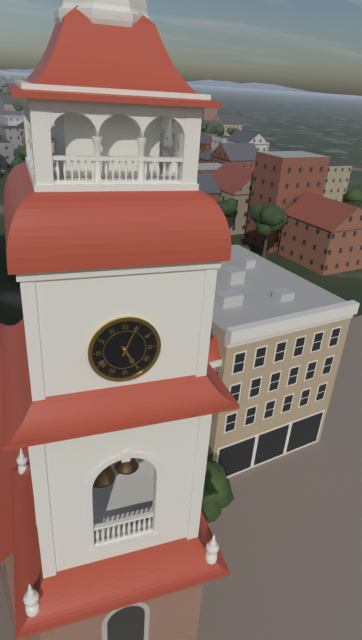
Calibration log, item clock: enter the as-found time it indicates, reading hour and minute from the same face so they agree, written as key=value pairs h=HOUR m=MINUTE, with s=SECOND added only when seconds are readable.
h=5 m=4
